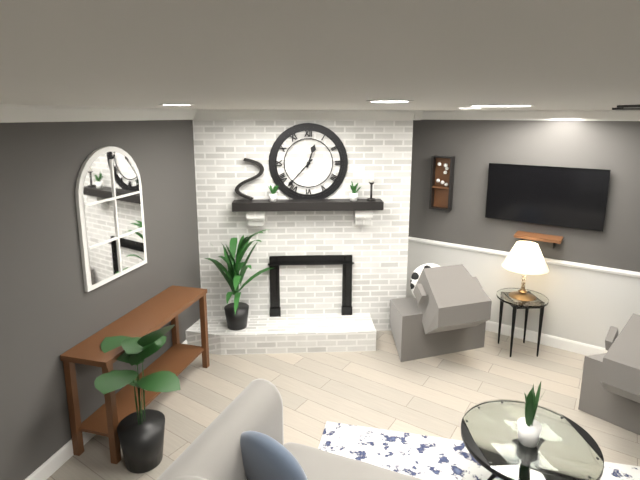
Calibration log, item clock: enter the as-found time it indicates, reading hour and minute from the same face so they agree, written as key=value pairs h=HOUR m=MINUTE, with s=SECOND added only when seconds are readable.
h=12 m=37
